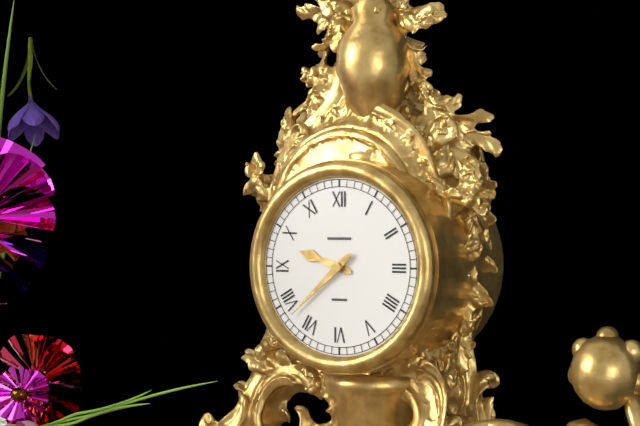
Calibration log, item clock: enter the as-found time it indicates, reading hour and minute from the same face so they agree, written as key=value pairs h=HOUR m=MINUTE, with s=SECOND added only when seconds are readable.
h=9 m=38
